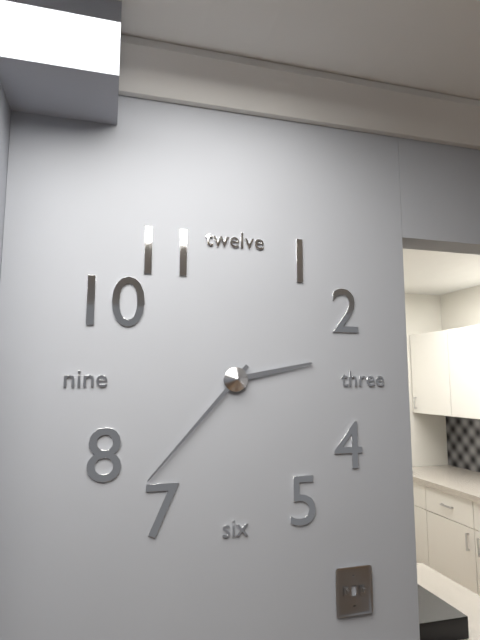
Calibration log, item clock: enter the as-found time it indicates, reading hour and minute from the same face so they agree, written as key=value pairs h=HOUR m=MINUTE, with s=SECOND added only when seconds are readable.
h=2 m=37
